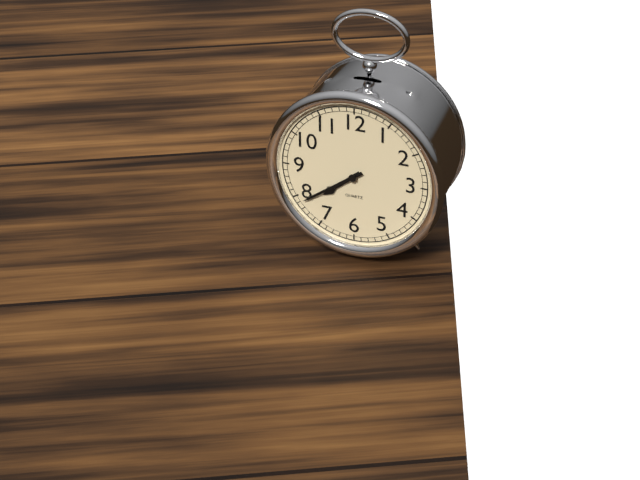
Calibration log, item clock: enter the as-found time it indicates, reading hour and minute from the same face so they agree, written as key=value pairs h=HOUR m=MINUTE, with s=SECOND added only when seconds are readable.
h=7 m=39
